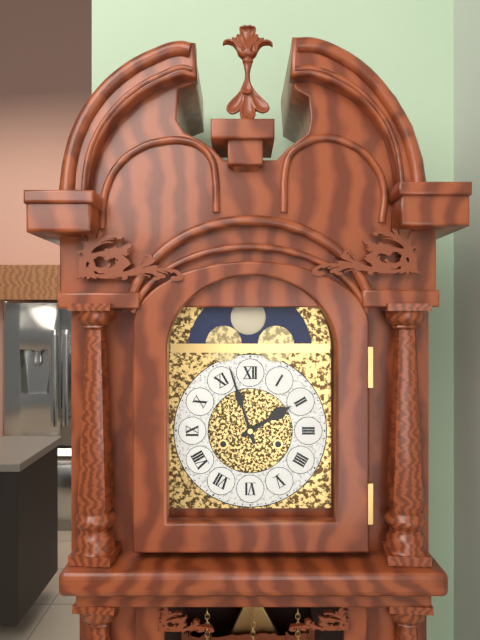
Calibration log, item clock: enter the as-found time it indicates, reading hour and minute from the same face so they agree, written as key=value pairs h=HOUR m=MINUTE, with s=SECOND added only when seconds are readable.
h=1 m=57
